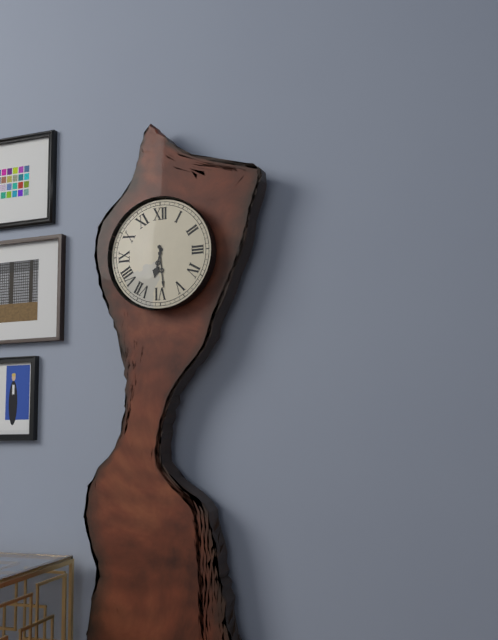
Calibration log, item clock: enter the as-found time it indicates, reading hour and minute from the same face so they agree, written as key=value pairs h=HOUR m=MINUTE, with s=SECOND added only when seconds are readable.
h=6 m=29
